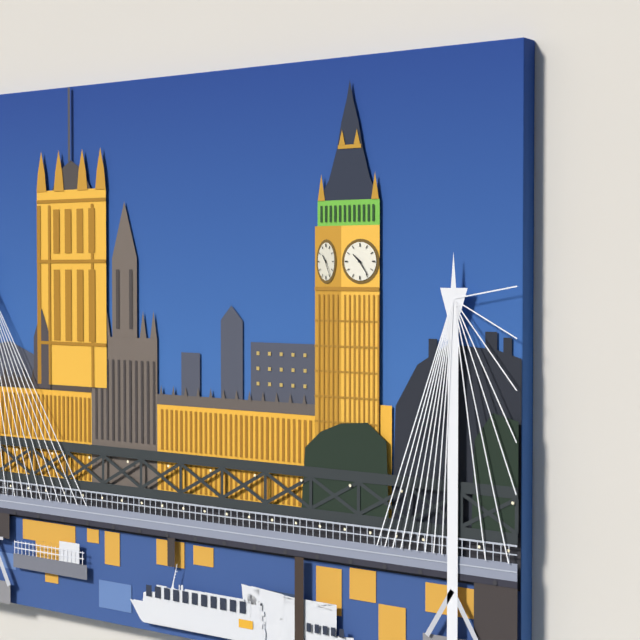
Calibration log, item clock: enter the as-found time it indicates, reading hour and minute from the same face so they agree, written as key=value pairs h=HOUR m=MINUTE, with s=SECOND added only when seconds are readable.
h=10 m=24
